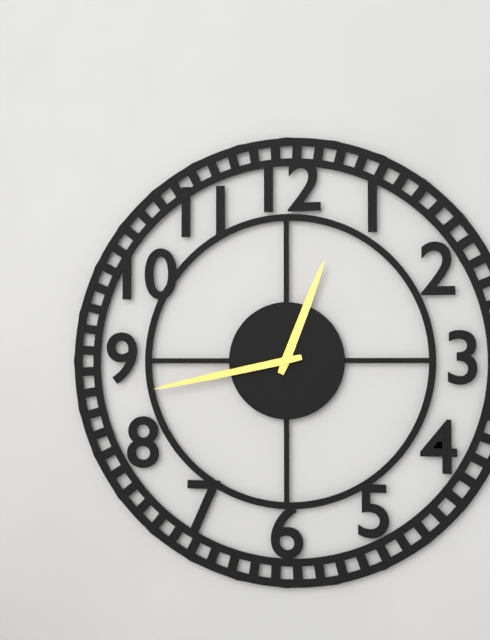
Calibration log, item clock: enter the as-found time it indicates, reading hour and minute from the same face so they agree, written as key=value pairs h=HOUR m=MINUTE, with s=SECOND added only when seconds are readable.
h=12 m=43
